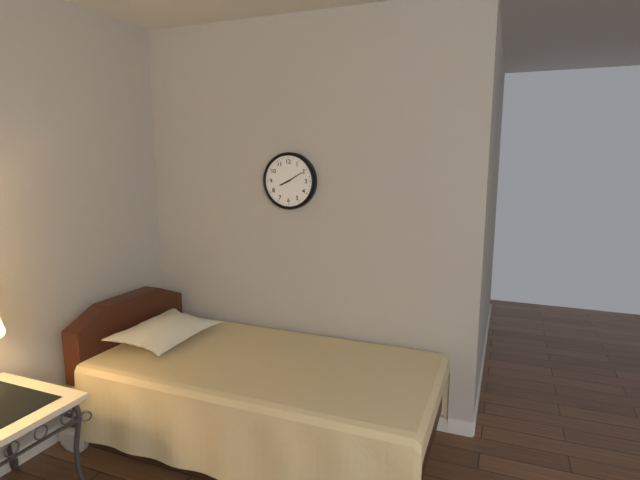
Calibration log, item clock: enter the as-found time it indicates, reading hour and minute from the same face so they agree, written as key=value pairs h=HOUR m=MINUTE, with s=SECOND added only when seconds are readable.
h=8 m=10
